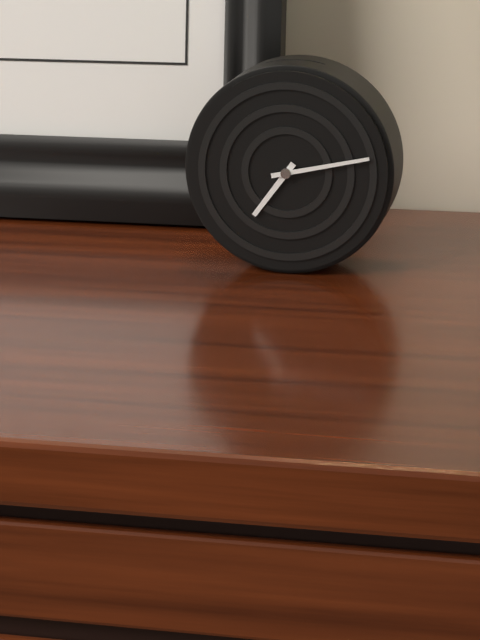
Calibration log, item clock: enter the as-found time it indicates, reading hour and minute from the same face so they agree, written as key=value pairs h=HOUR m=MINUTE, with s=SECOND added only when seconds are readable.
h=7 m=13
